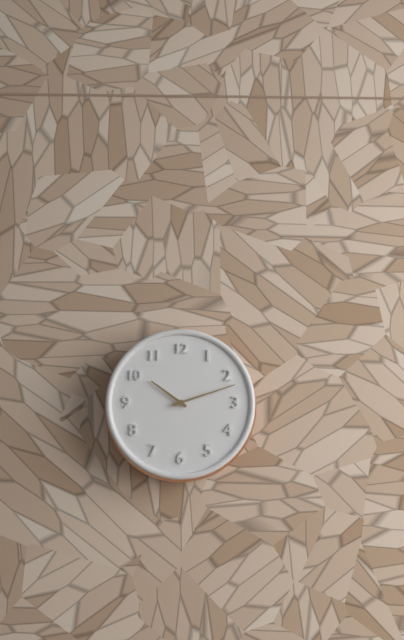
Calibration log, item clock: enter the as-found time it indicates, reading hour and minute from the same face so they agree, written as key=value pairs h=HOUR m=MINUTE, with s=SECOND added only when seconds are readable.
h=10 m=12
